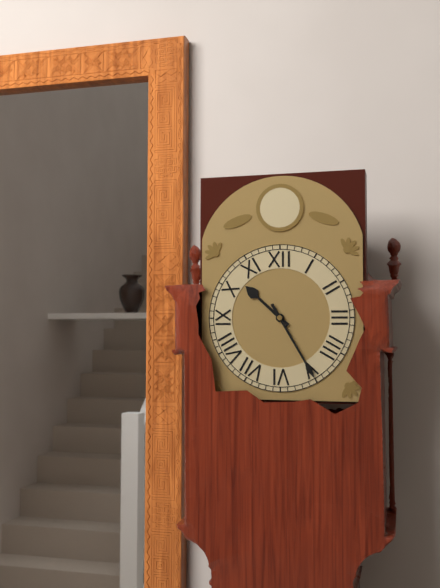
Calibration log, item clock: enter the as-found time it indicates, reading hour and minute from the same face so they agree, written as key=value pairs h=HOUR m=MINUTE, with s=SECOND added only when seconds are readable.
h=10 m=25
